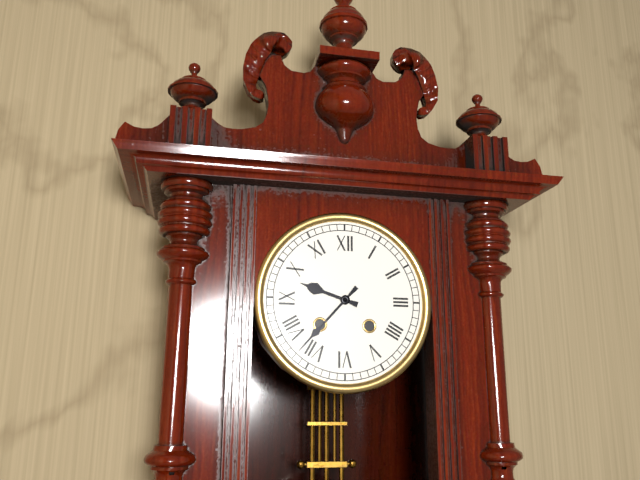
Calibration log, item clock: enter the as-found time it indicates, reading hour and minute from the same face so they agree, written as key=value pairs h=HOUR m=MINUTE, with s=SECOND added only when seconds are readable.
h=9 m=37
